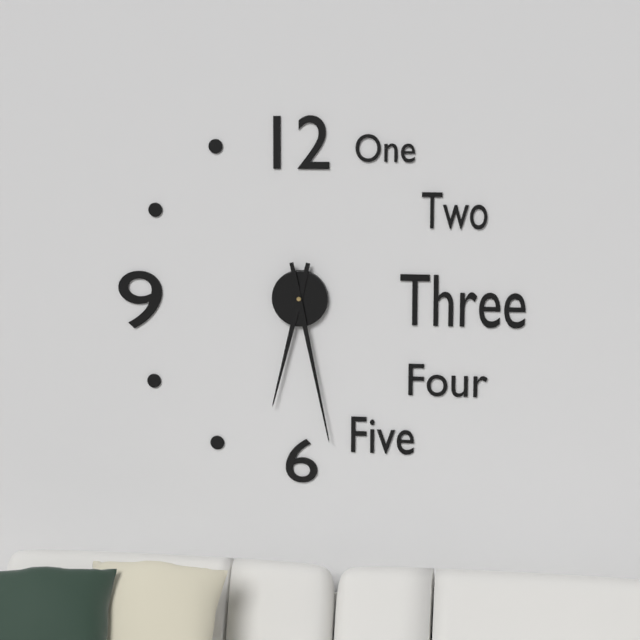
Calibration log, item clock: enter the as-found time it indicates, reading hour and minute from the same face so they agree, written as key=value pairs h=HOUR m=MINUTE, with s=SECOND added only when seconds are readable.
h=6 m=28
